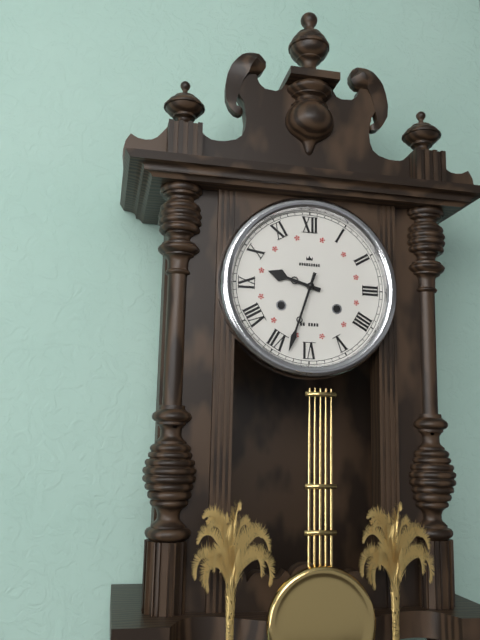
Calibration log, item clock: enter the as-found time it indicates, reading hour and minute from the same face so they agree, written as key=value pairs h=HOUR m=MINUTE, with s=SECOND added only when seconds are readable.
h=9 m=33
